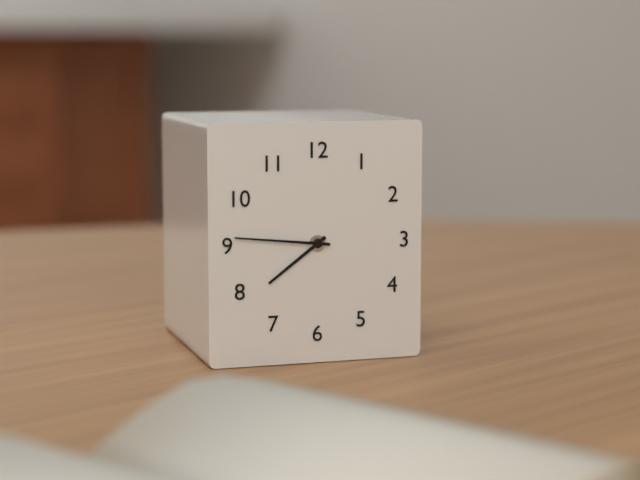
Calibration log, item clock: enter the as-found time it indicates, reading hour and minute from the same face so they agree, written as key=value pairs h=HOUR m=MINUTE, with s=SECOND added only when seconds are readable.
h=7 m=46
